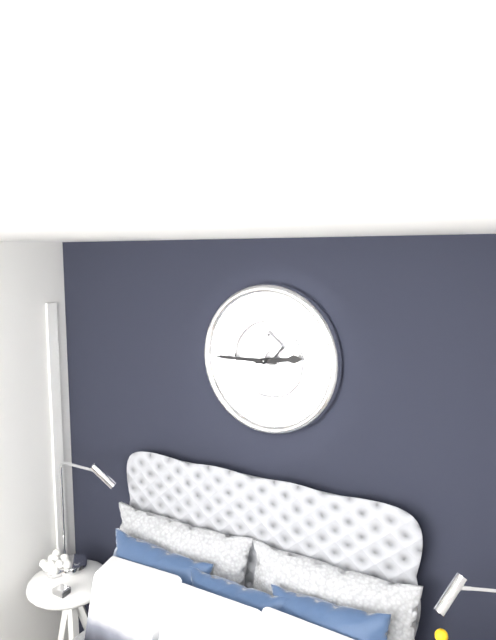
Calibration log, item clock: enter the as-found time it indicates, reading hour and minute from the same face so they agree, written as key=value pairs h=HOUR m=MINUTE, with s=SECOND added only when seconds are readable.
h=2 m=45
